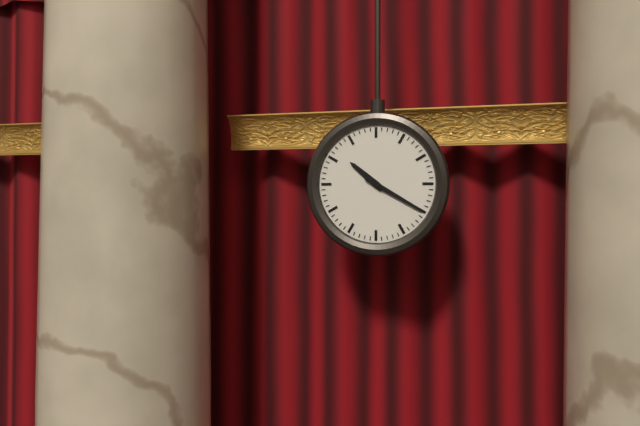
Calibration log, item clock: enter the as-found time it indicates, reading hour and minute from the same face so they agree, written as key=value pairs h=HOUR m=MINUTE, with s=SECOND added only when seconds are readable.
h=10 m=20
